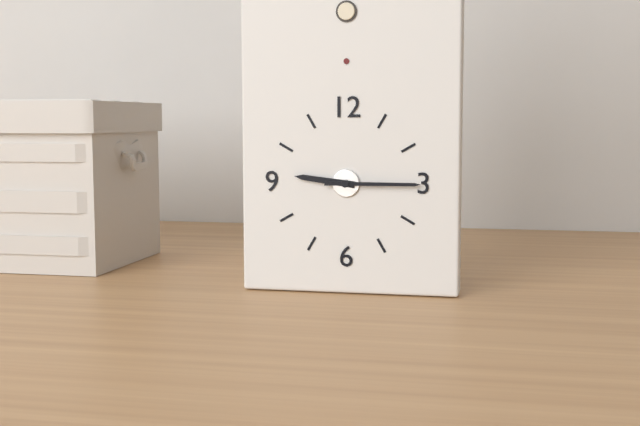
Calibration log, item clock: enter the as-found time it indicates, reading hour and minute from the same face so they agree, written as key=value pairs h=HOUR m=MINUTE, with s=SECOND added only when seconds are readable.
h=9 m=15
